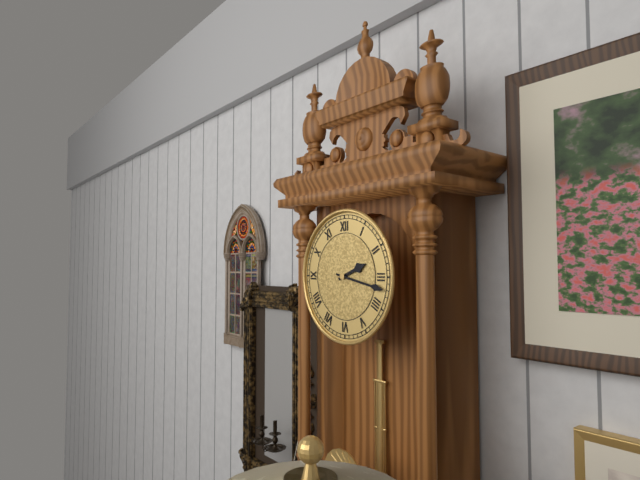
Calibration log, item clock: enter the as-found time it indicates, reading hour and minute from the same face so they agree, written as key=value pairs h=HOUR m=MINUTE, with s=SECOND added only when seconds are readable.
h=2 m=17
